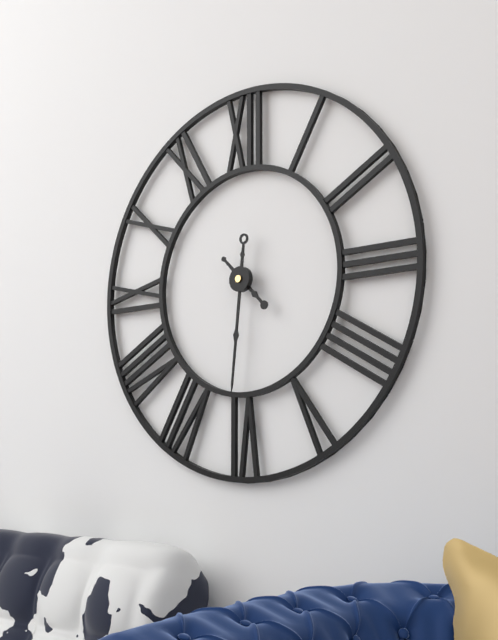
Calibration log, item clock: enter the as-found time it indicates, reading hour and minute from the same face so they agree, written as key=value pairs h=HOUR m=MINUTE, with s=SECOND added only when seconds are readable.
h=4 m=31
